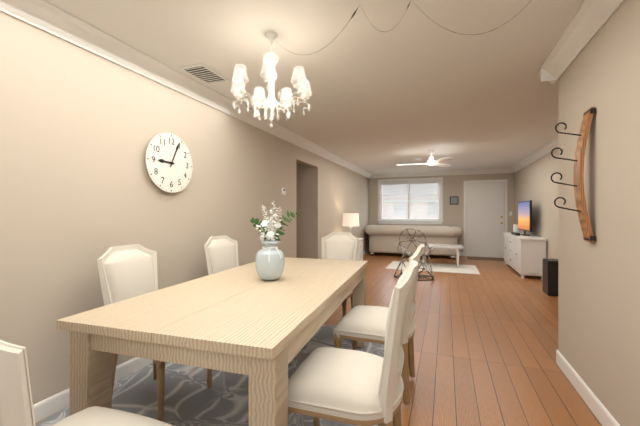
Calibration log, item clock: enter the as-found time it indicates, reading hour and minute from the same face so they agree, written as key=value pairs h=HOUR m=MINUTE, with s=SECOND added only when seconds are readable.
h=9 m=4
